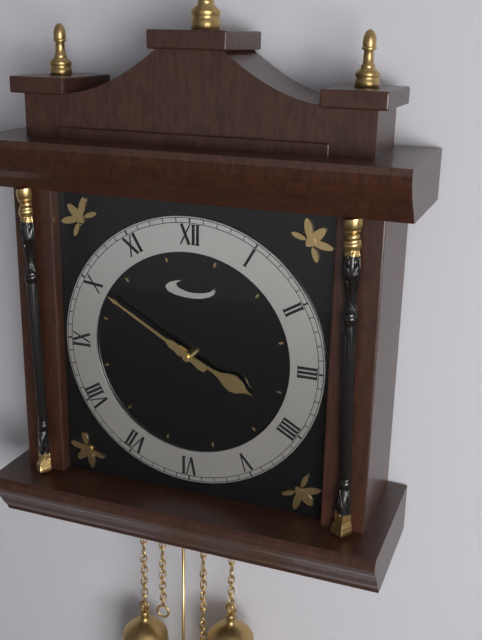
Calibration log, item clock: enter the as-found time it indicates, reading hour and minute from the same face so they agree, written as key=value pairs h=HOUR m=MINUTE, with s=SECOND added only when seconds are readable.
h=3 m=50
